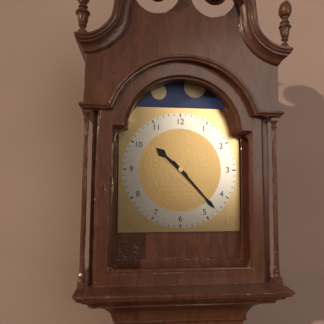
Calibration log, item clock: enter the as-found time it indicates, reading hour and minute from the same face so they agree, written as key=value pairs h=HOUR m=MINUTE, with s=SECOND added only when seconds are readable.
h=10 m=23
